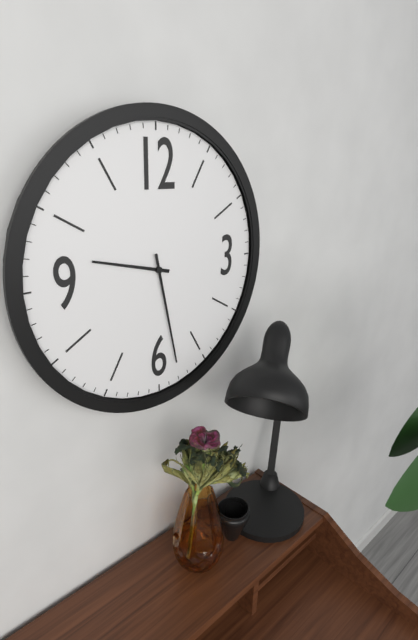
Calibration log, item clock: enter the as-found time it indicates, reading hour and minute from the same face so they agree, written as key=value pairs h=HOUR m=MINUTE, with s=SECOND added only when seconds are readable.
h=9 m=28
